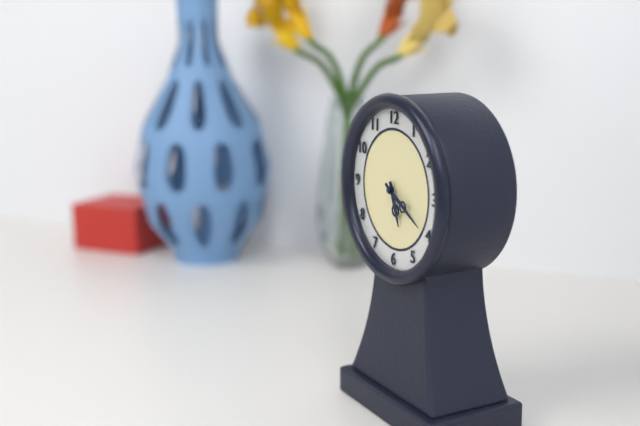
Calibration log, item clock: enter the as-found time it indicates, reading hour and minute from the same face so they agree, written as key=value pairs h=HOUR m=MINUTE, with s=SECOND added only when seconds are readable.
h=5 m=20
